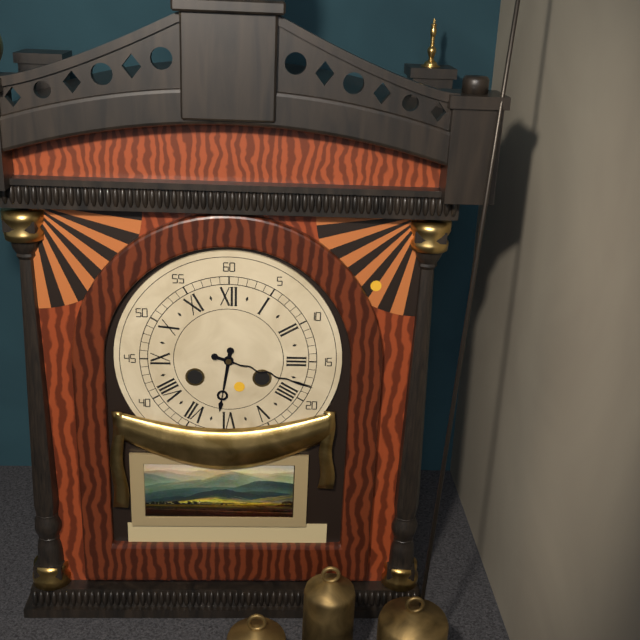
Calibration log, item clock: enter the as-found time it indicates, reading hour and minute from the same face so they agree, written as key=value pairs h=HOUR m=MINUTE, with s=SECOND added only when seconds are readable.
h=6 m=18
